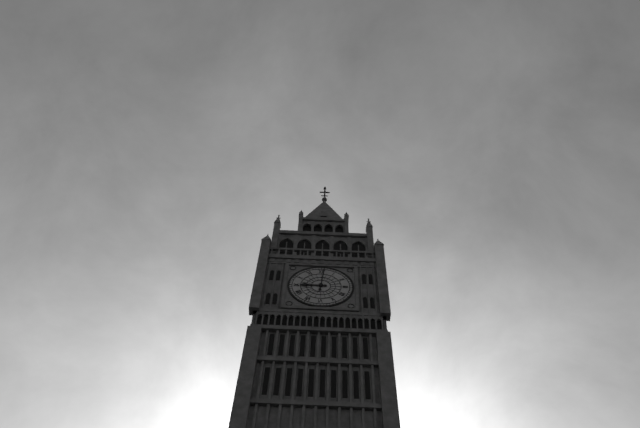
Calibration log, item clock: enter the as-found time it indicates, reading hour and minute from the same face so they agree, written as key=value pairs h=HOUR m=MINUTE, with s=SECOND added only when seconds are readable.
h=9 m=1
